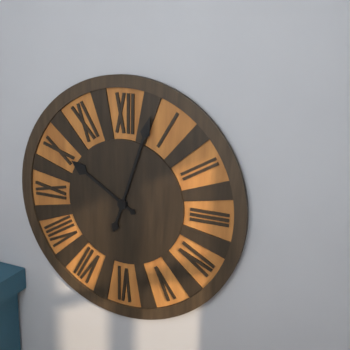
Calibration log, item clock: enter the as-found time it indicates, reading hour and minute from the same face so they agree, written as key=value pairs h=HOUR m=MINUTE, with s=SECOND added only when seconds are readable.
h=10 m=3
